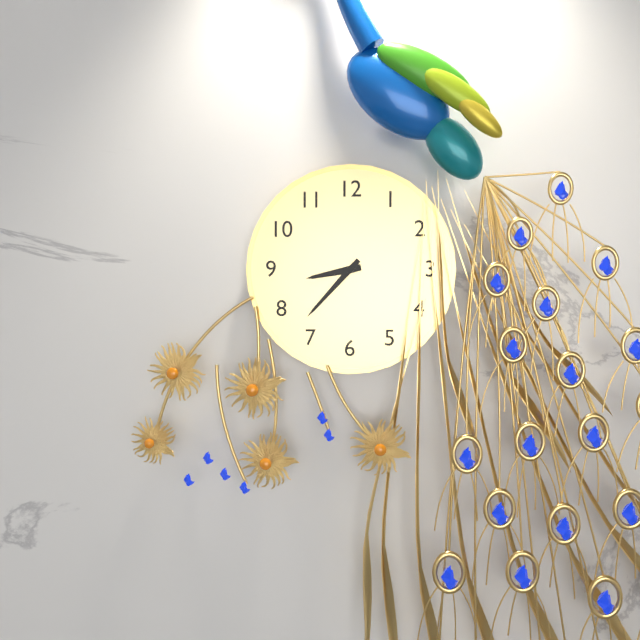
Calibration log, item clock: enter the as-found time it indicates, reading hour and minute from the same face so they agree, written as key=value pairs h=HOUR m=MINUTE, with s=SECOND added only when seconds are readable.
h=8 m=37
